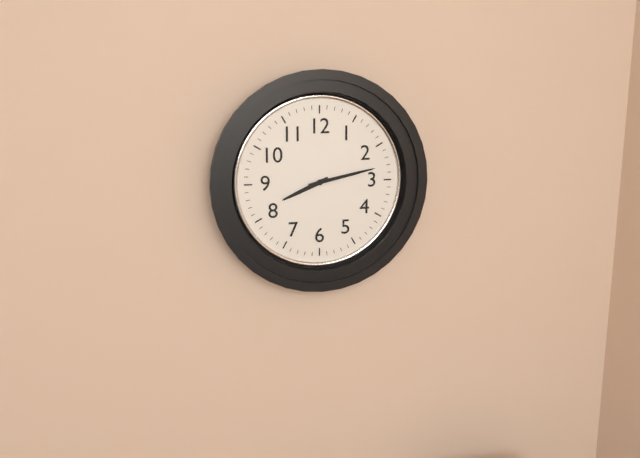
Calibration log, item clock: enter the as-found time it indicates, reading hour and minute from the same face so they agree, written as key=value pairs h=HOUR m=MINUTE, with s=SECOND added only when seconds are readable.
h=8 m=13
